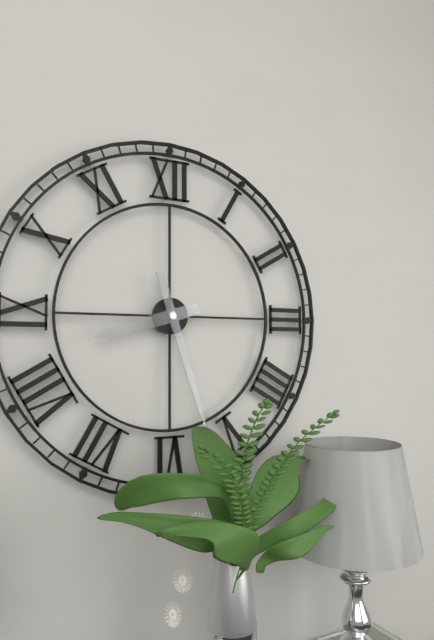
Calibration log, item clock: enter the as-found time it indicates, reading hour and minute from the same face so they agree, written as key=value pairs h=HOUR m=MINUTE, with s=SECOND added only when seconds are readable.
h=8 m=27
